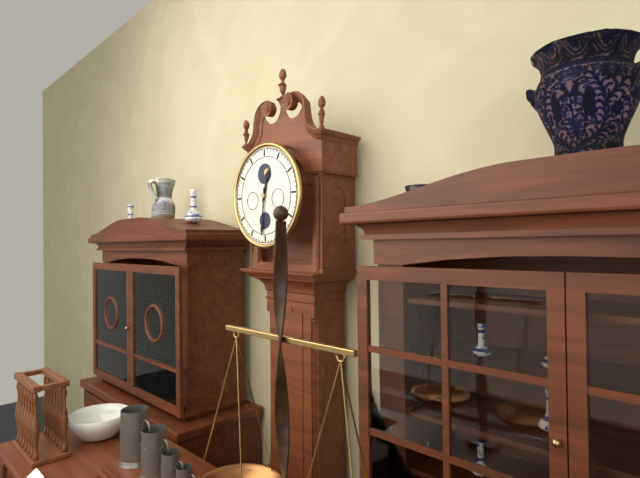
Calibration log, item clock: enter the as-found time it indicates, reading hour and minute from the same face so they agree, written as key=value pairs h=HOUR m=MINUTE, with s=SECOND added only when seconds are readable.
h=12 m=31
